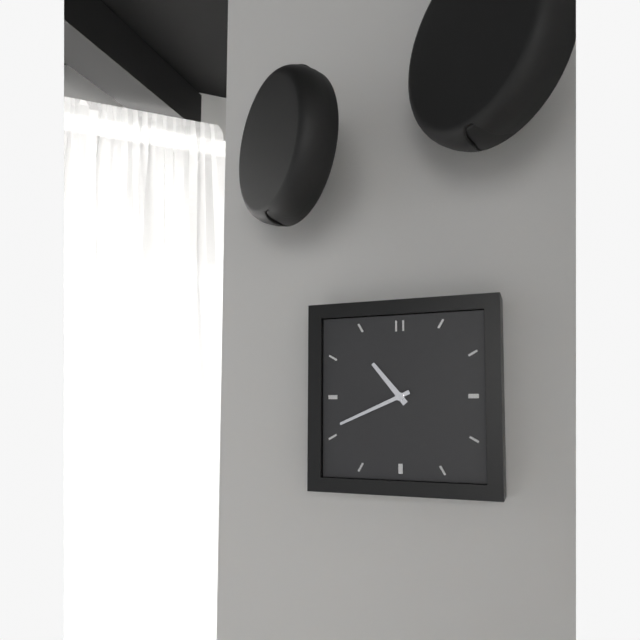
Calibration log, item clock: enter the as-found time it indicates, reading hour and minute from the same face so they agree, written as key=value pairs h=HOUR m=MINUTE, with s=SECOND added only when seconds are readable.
h=10 m=41
